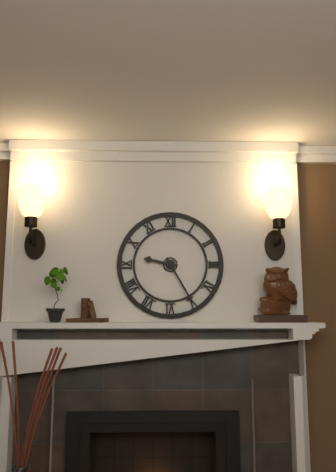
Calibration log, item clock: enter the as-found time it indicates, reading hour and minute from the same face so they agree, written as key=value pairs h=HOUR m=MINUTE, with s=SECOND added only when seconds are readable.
h=9 m=25
